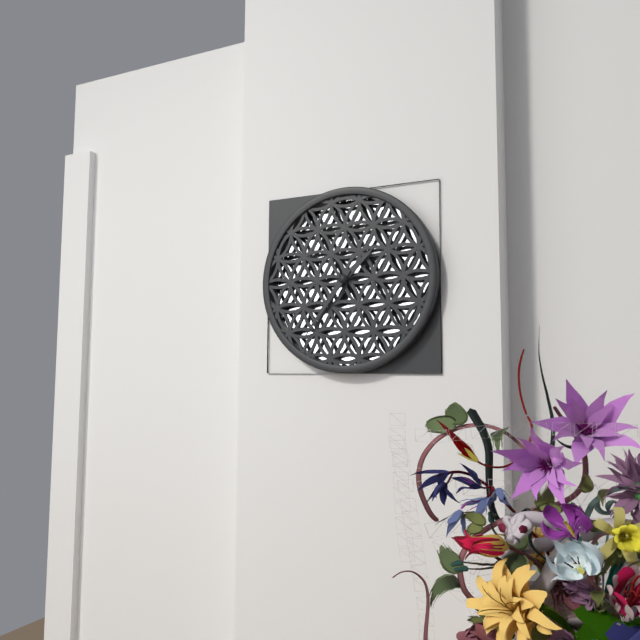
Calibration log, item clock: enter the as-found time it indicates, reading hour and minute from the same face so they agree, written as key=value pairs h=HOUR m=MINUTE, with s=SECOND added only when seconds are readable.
h=1 m=36
